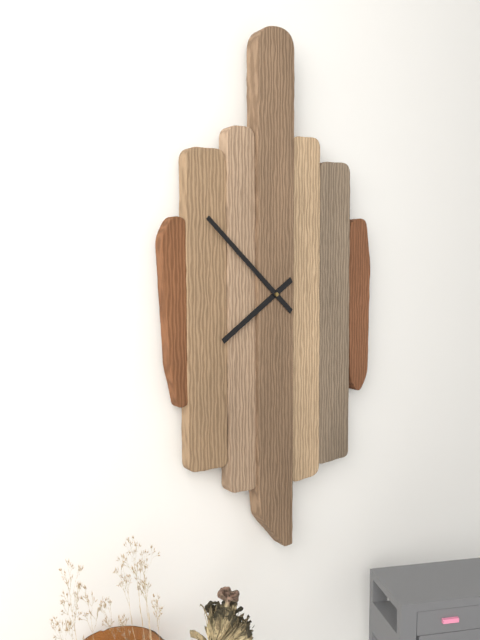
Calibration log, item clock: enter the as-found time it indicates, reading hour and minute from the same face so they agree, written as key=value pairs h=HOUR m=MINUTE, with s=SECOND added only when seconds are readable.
h=7 m=52
